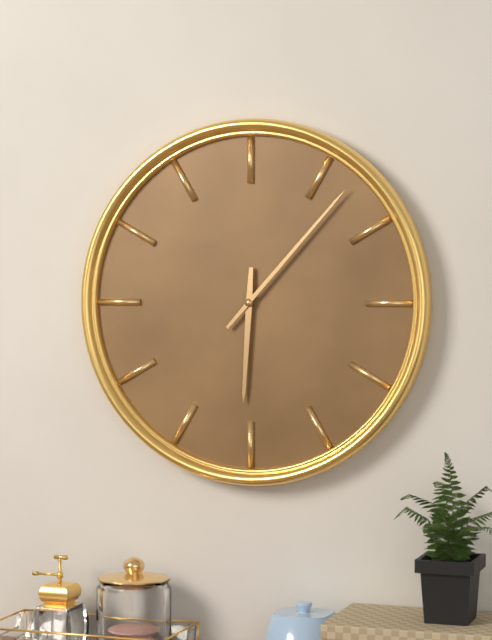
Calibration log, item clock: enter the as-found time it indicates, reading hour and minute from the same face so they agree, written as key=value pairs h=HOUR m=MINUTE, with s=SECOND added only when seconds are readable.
h=6 m=7
